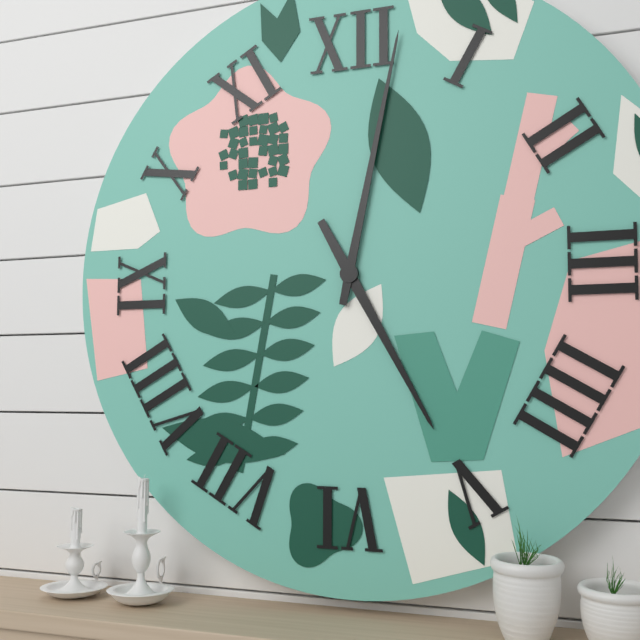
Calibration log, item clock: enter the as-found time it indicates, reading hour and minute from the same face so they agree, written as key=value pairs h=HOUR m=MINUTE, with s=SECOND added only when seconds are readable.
h=5 m=2
